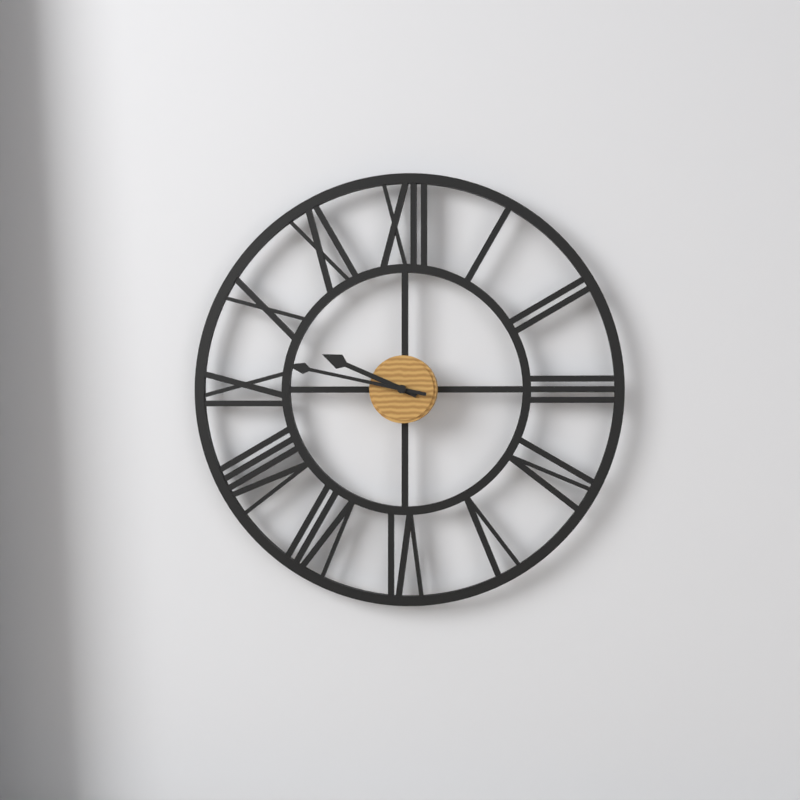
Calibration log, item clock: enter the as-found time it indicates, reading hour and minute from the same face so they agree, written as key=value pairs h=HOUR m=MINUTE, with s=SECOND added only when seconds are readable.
h=9 m=47
